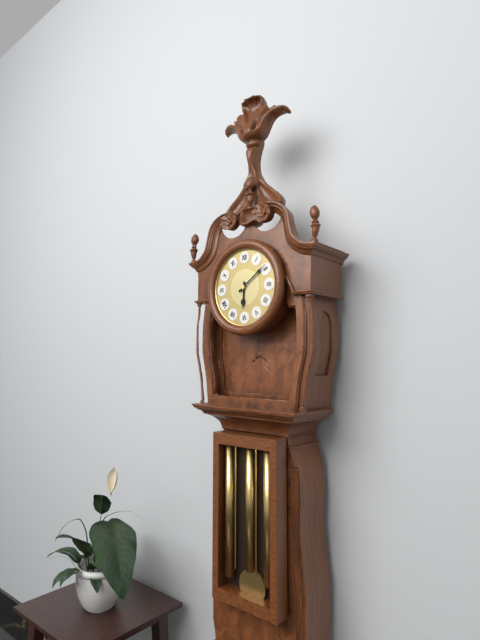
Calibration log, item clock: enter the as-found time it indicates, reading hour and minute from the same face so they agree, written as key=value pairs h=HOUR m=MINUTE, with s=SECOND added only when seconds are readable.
h=6 m=9
